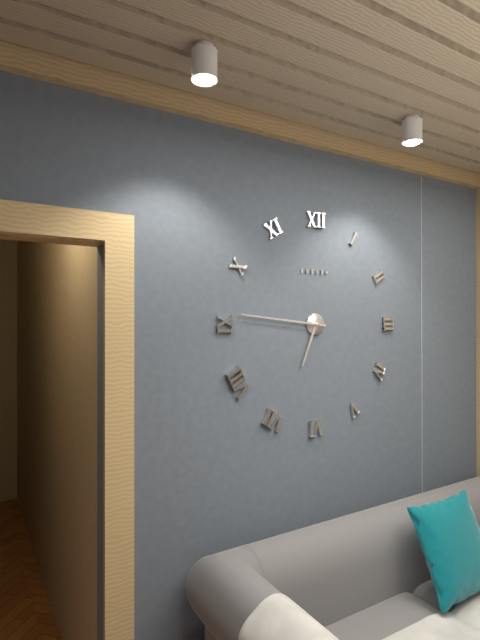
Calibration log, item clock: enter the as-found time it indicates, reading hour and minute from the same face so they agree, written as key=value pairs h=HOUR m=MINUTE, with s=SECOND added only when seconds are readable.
h=6 m=46
